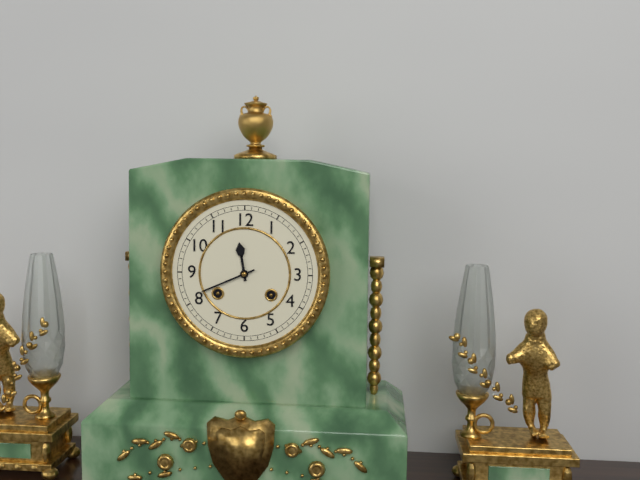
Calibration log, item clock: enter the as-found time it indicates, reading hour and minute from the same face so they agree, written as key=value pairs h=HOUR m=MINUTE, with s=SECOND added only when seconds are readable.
h=11 m=41
